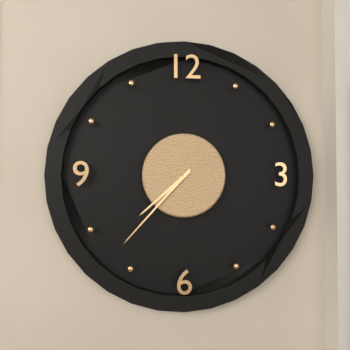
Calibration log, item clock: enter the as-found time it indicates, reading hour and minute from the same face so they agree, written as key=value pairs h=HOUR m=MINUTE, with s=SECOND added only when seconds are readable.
h=7 m=37
